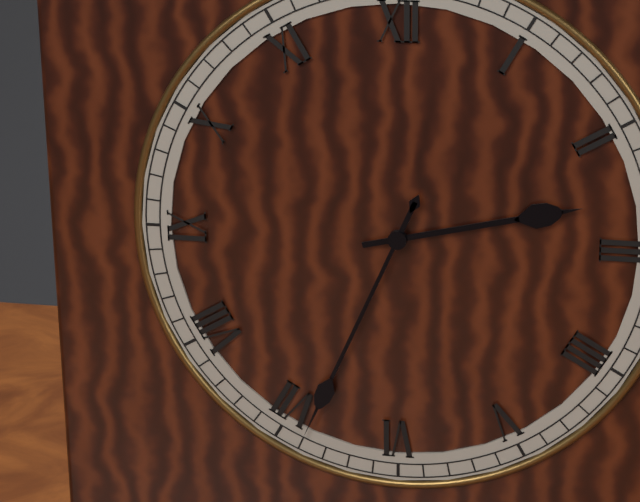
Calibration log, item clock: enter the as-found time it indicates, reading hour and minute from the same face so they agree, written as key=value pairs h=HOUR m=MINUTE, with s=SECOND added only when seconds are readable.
h=2 m=34
